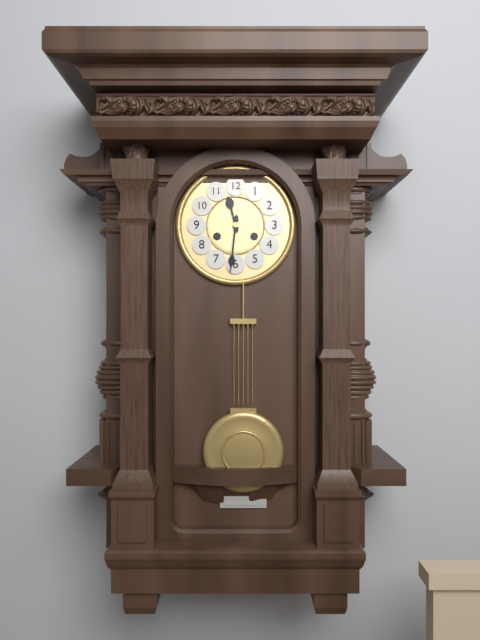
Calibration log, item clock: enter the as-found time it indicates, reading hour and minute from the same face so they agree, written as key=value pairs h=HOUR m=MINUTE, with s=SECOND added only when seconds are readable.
h=11 m=31
